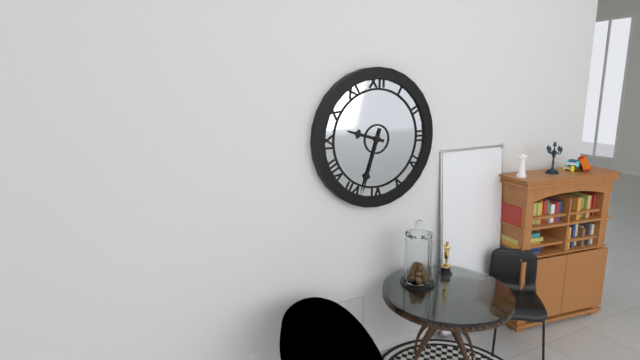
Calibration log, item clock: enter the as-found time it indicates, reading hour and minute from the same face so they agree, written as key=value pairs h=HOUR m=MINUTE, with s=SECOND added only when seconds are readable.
h=9 m=33
